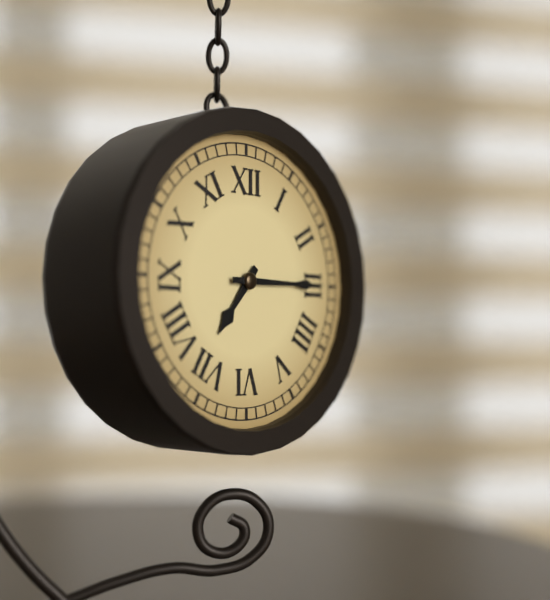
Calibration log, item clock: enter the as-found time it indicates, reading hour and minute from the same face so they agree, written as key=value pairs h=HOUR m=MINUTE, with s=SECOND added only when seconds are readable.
h=7 m=15
